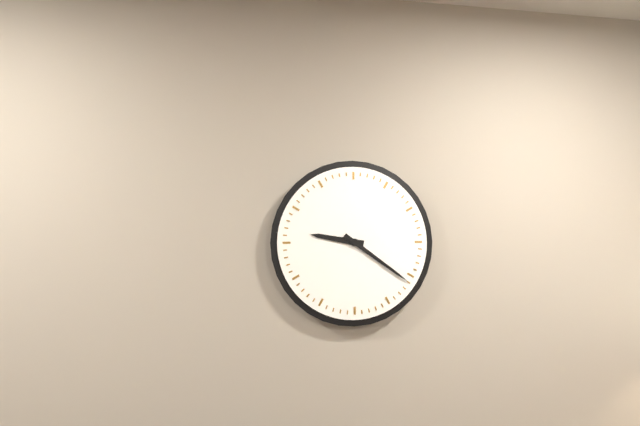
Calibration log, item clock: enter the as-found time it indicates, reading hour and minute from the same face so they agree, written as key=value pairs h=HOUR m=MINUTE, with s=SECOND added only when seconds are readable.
h=9 m=21
